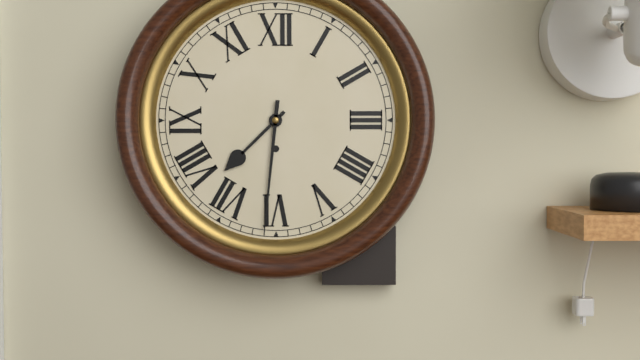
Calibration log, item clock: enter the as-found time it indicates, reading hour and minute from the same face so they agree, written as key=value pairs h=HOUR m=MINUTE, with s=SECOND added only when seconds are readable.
h=7 m=31
